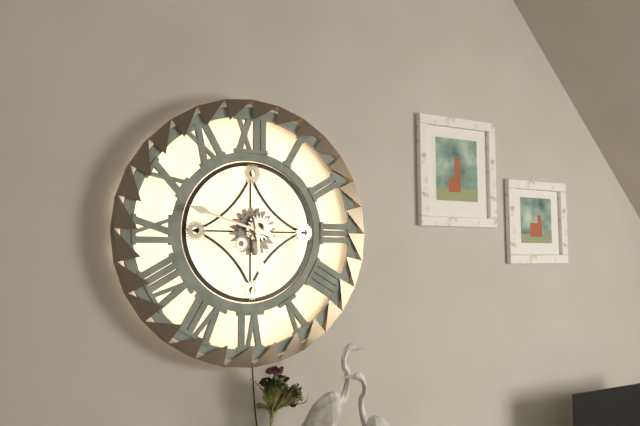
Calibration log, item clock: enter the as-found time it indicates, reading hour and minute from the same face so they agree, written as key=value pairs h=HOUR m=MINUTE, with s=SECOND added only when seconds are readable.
h=5 m=48
